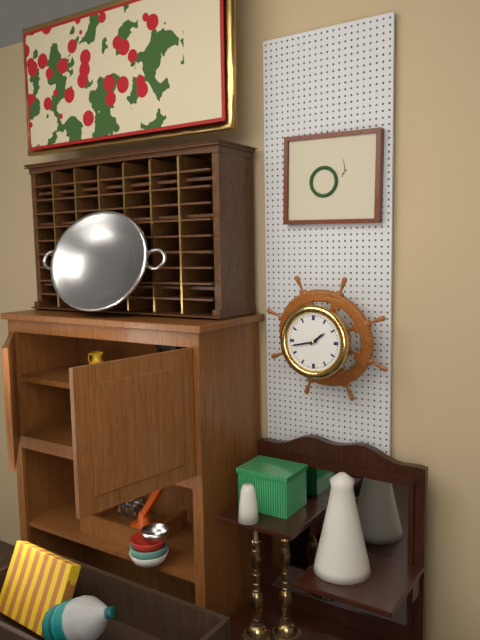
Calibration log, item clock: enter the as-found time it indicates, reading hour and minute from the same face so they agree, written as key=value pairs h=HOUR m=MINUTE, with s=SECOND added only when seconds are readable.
h=1 m=43
